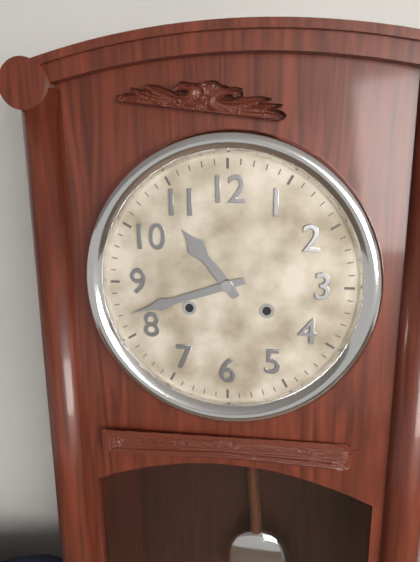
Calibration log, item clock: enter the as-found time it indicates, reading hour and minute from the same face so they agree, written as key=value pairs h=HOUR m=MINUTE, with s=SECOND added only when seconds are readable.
h=10 m=42
